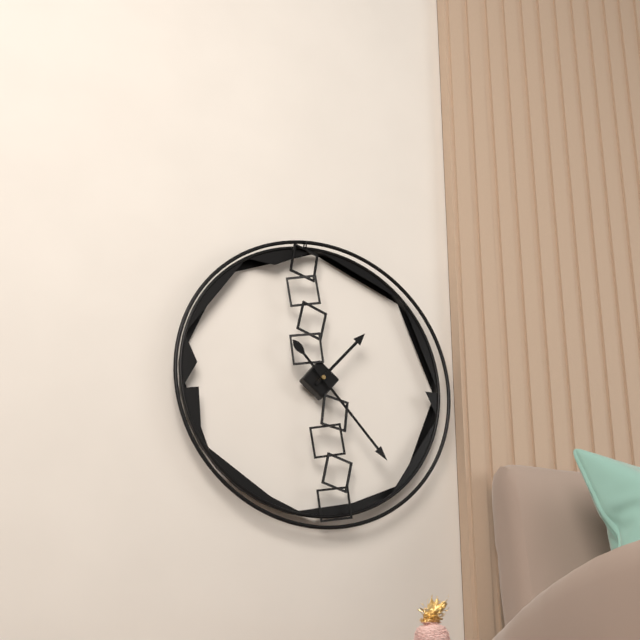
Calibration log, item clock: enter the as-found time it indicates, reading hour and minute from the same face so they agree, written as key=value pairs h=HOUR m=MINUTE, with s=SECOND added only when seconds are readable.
h=1 m=23
